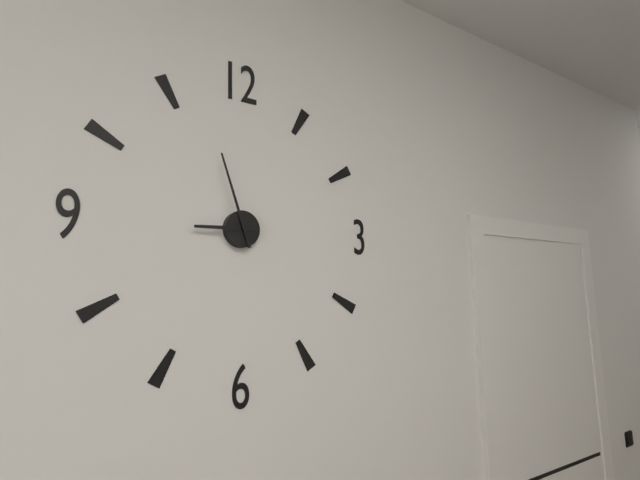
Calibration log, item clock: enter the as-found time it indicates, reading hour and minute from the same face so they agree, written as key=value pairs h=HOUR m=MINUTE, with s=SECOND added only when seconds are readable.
h=8 m=57
